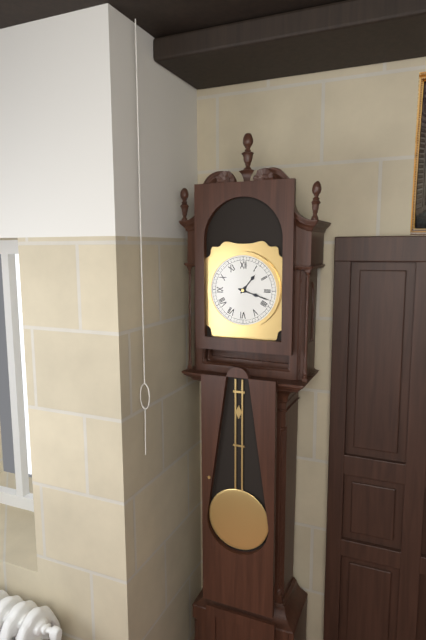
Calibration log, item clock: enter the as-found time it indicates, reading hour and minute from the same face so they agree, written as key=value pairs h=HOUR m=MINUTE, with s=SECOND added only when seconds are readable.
h=1 m=18
